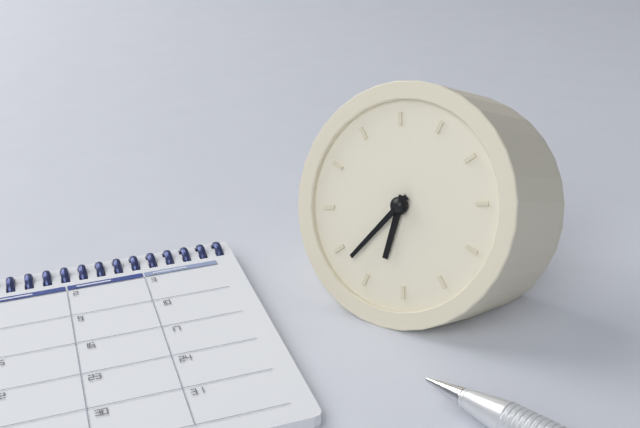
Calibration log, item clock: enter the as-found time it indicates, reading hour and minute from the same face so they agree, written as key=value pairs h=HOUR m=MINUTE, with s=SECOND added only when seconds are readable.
h=6 m=38
